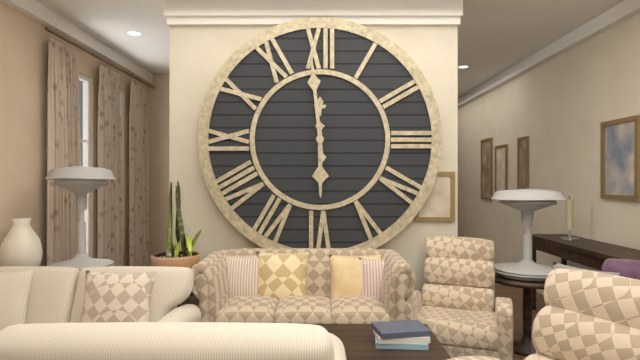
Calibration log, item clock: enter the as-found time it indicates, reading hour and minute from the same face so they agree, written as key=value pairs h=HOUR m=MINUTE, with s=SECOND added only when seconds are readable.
h=5 m=59
